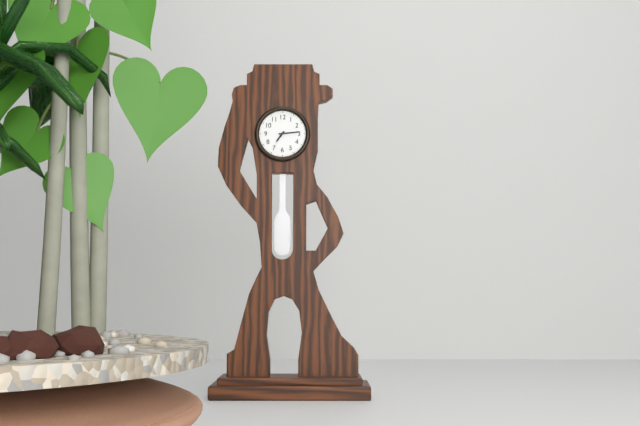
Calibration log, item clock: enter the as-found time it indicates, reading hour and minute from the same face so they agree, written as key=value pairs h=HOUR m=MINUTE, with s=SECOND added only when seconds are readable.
h=7 m=14
